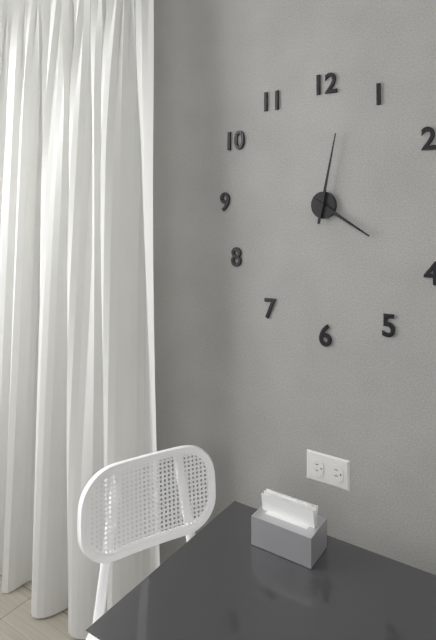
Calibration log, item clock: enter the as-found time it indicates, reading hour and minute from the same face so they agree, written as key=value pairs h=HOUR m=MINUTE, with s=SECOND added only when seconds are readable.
h=4 m=2
